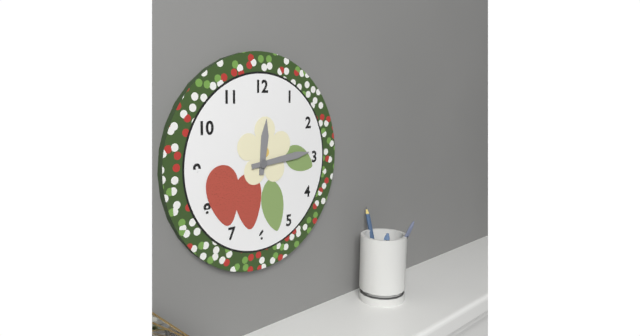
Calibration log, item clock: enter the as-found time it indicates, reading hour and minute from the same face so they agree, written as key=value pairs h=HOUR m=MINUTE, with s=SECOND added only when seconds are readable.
h=12 m=14
